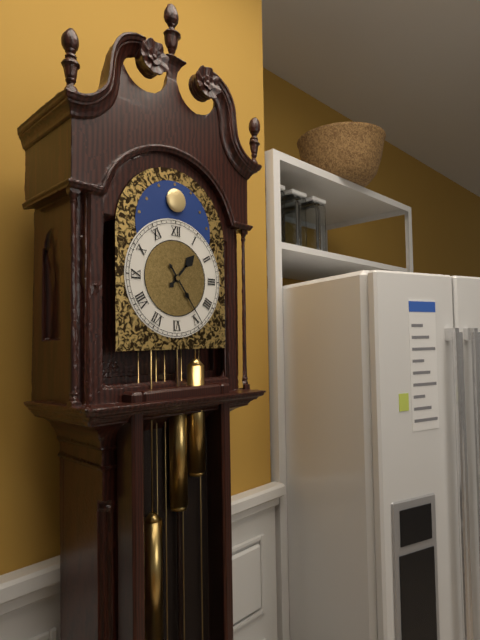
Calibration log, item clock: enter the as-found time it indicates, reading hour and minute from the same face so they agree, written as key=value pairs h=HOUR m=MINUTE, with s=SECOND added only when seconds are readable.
h=1 m=24
